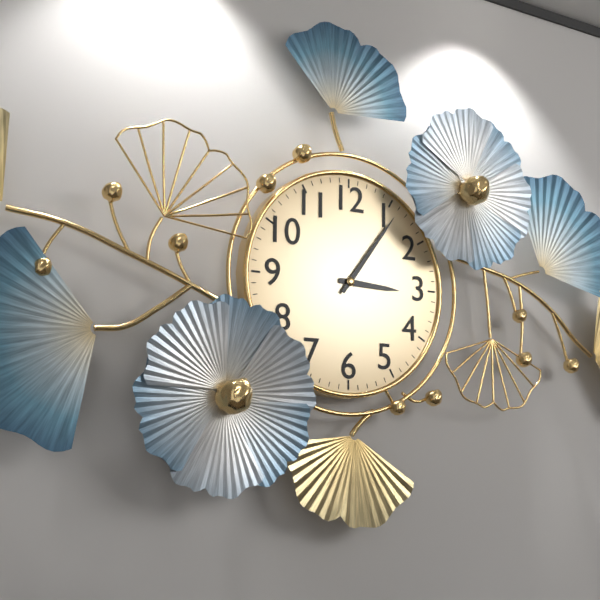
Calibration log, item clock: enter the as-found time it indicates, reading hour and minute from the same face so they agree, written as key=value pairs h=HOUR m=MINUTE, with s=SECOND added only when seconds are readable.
h=3 m=6
